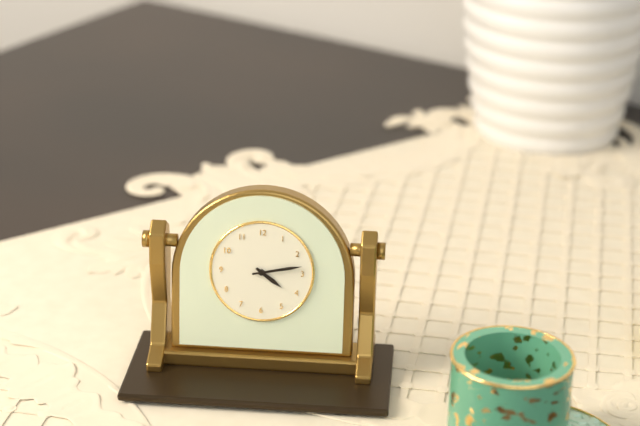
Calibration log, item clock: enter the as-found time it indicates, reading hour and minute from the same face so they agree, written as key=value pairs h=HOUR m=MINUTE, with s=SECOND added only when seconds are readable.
h=4 m=13
